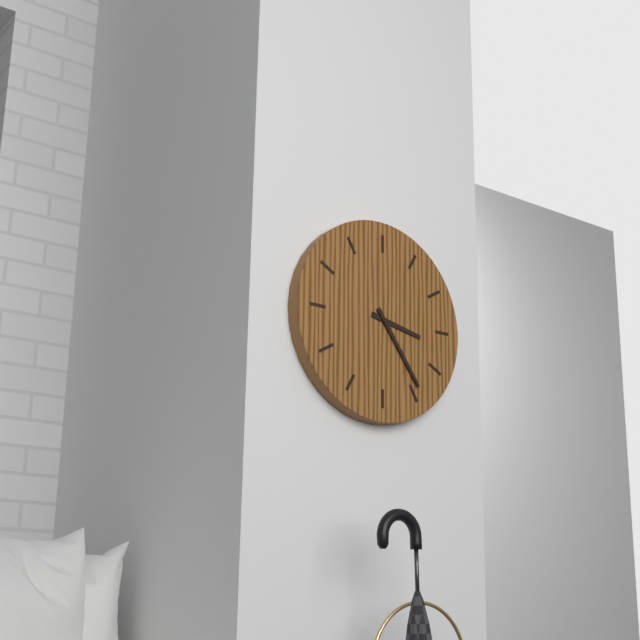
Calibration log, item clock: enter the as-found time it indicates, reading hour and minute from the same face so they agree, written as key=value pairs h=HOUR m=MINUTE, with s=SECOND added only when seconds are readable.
h=3 m=24
